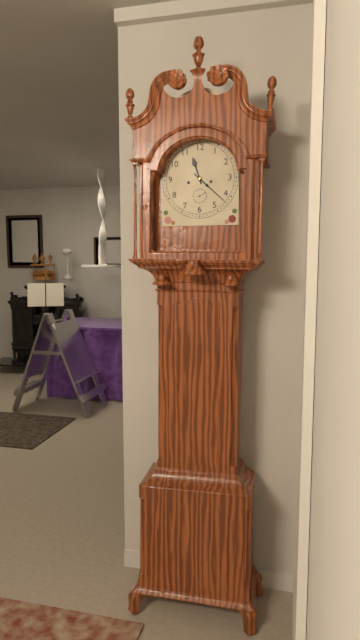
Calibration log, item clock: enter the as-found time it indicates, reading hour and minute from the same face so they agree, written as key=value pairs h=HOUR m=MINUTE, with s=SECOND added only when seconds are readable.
h=11 m=22
